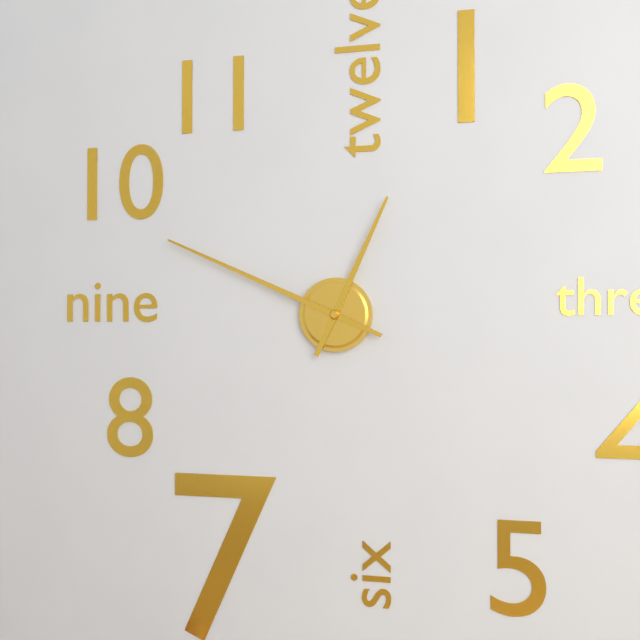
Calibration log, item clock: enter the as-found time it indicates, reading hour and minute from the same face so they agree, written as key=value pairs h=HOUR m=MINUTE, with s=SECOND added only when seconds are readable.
h=12 m=49
